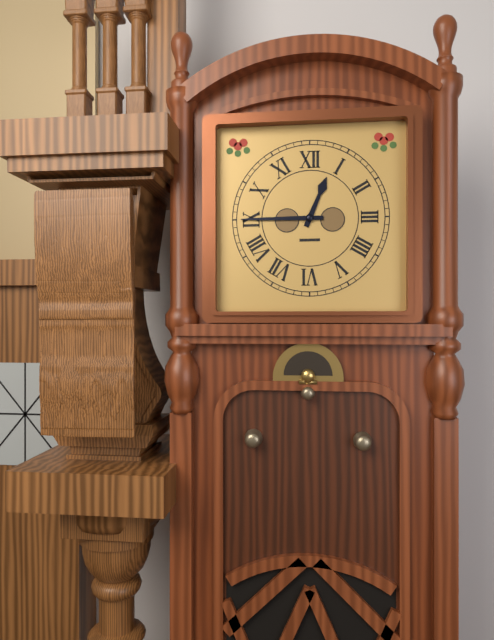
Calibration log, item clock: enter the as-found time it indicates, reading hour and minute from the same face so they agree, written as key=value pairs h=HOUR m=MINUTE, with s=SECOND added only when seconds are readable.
h=12 m=45
